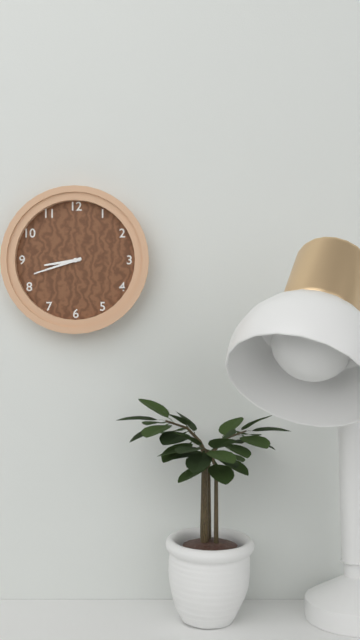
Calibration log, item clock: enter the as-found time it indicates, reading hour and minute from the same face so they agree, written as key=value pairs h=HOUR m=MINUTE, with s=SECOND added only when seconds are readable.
h=8 m=42
